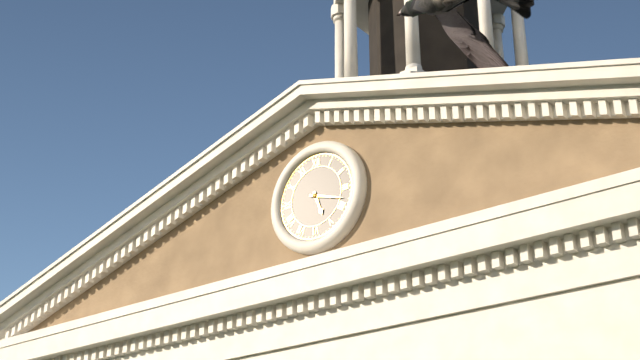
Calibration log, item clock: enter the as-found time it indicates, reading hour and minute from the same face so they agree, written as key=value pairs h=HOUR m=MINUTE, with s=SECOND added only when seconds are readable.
h=5 m=18
